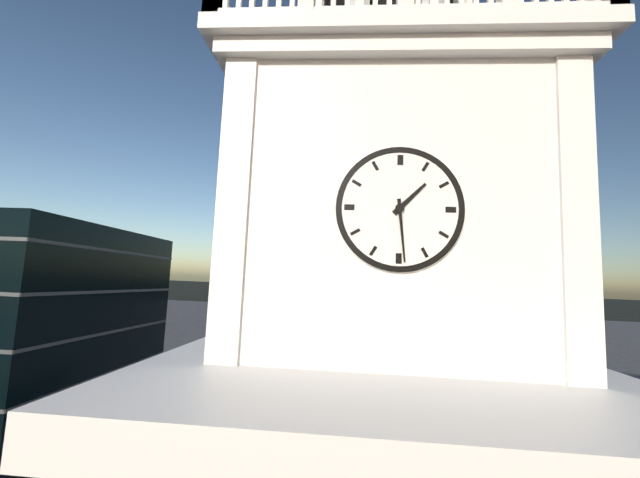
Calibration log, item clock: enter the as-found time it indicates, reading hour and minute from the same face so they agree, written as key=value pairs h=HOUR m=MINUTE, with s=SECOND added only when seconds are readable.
h=1 m=29
